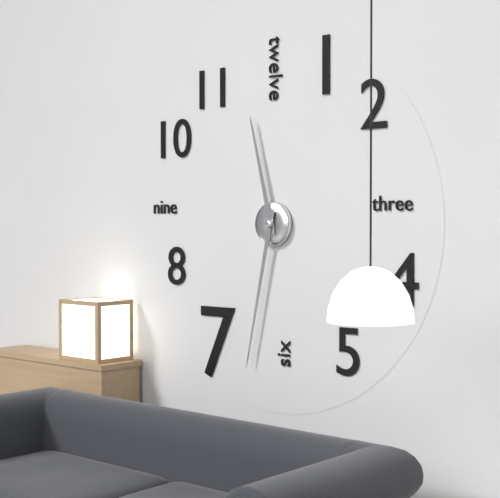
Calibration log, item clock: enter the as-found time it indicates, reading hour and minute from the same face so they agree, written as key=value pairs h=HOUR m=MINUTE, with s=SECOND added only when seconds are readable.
h=11 m=32
